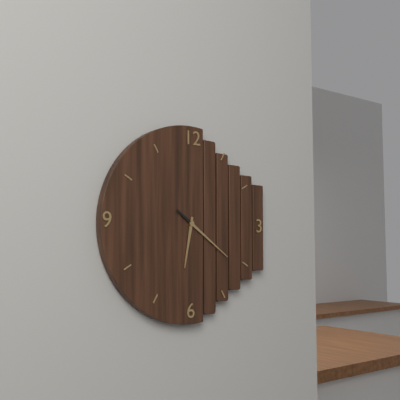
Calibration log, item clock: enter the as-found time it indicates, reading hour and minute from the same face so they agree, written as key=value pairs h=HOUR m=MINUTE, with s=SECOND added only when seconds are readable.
h=6 m=21
